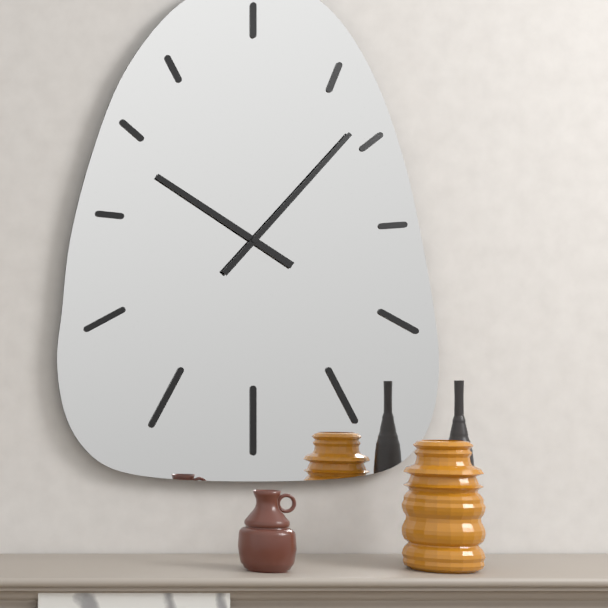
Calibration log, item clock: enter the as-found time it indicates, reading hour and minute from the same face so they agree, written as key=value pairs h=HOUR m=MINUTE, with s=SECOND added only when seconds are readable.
h=10 m=7
